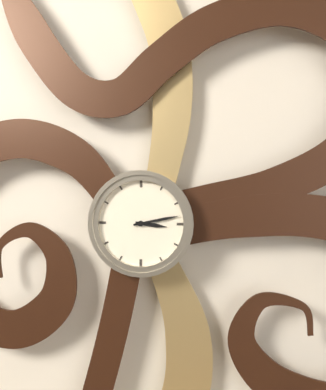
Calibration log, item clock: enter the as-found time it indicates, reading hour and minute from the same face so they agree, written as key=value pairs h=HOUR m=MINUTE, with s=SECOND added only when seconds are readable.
h=3 m=13
